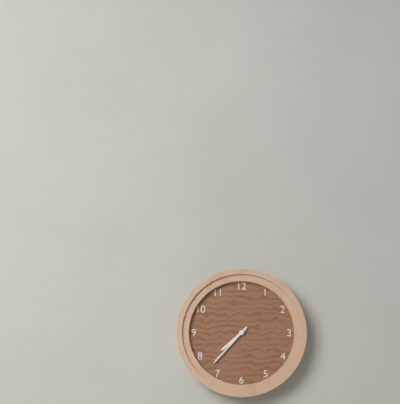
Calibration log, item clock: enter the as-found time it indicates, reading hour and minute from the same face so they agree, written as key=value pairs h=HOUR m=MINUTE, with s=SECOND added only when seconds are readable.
h=7 m=37
